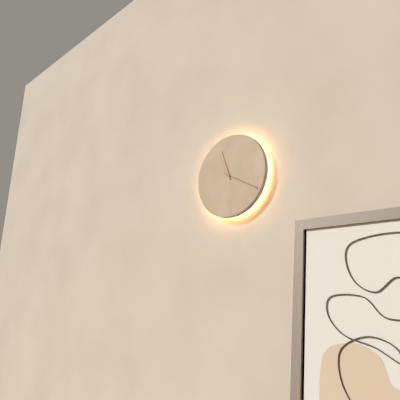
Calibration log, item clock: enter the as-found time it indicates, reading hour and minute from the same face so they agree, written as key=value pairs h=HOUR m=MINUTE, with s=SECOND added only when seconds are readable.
h=11 m=20
